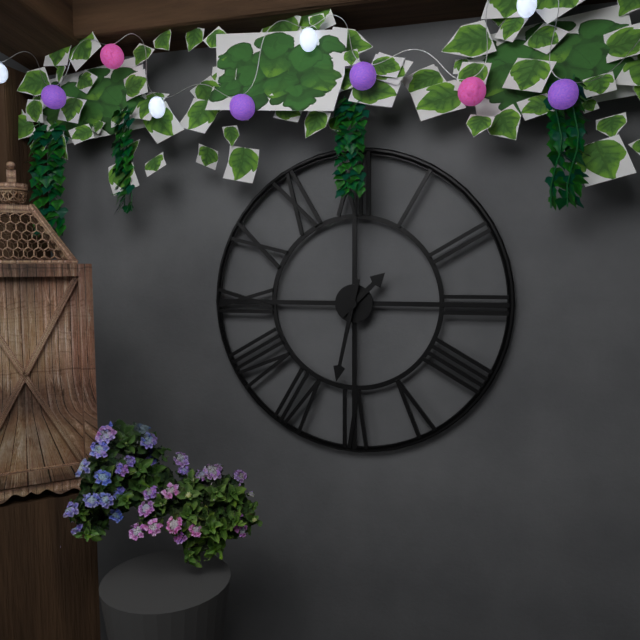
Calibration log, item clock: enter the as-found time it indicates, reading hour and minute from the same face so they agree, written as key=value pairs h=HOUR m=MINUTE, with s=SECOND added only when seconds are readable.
h=1 m=32
